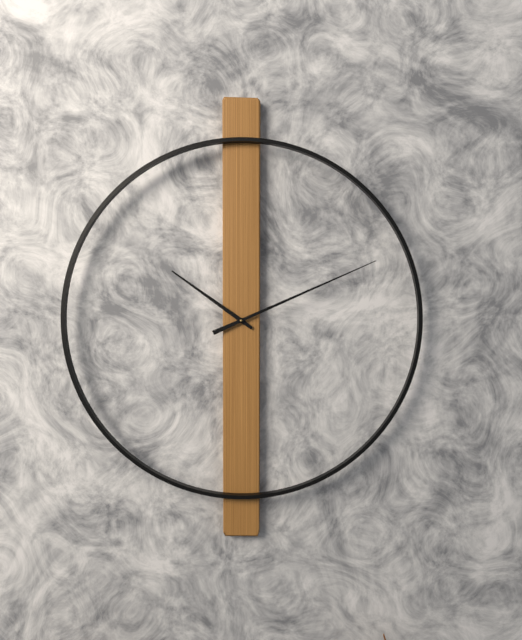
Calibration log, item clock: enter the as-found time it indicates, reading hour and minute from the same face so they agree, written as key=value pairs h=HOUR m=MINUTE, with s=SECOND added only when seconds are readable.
h=10 m=11
